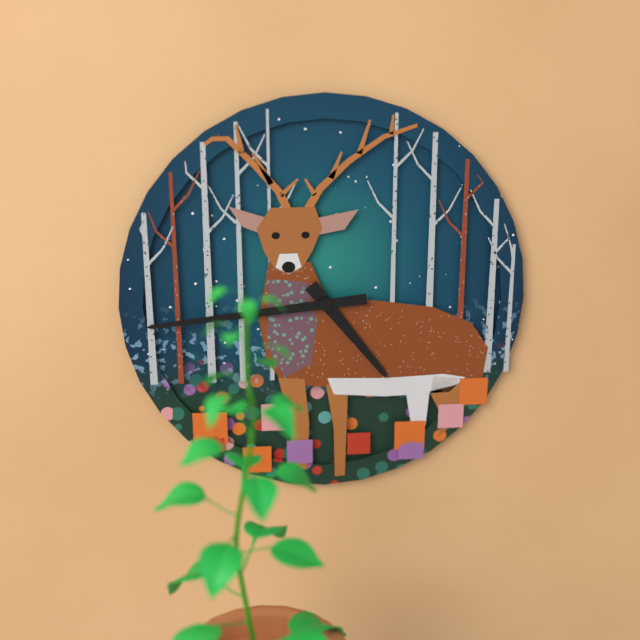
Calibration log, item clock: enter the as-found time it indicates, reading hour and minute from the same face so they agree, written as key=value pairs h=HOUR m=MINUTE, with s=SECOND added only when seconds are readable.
h=4 m=44
